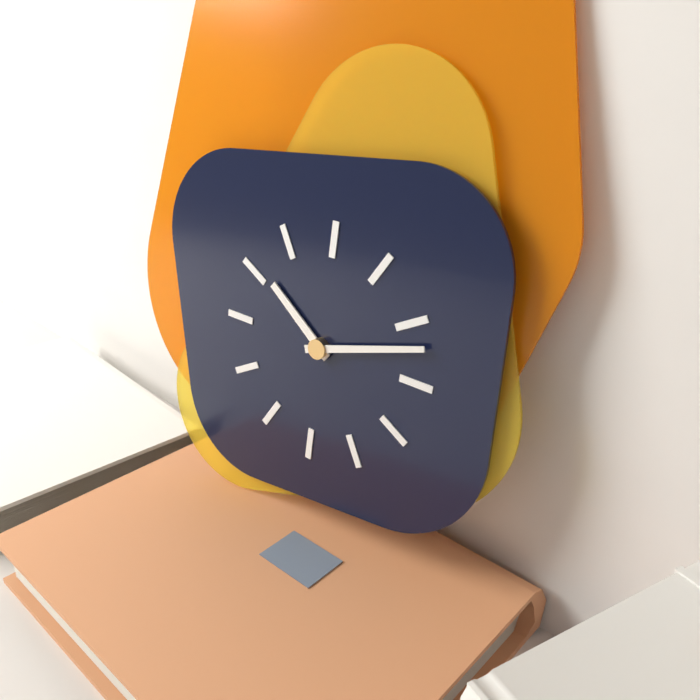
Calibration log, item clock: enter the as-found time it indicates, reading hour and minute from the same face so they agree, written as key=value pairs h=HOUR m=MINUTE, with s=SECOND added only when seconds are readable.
h=10 m=12
